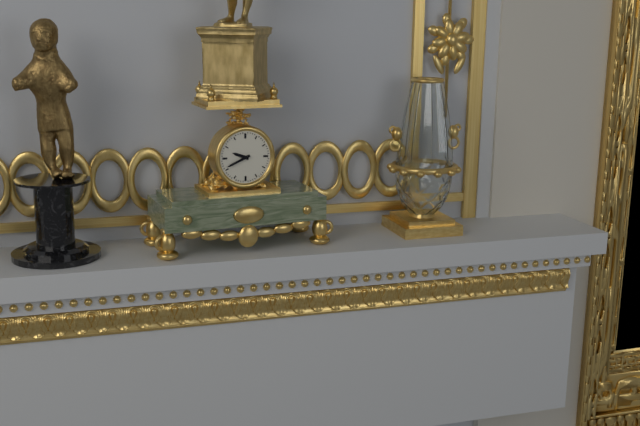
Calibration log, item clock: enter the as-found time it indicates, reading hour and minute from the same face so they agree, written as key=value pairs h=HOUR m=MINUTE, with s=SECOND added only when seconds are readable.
h=9 m=41
